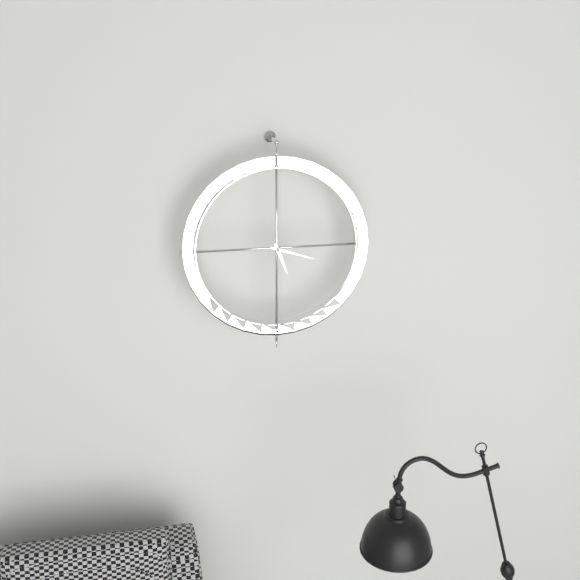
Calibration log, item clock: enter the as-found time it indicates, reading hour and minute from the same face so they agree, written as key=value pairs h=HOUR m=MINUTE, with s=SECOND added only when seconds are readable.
h=5 m=18
